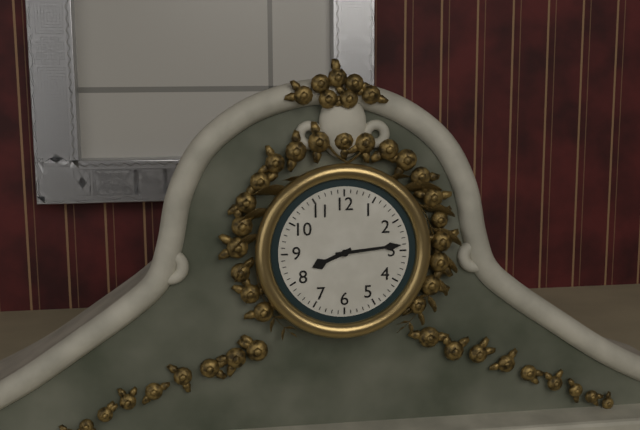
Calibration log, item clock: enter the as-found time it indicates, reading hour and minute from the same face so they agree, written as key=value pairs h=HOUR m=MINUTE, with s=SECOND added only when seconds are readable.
h=8 m=14
